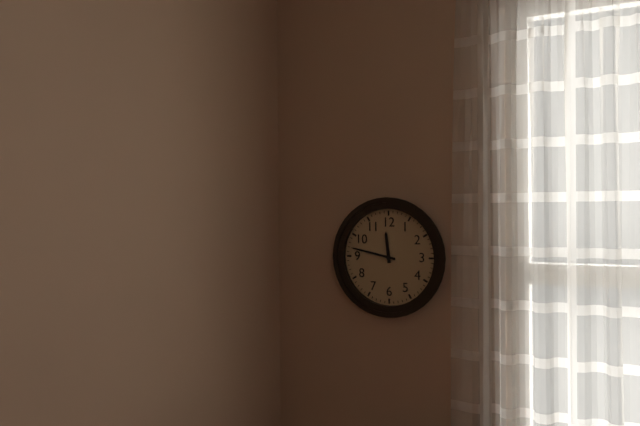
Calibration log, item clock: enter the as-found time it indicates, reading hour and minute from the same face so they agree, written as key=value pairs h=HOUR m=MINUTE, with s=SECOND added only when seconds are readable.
h=11 m=47
